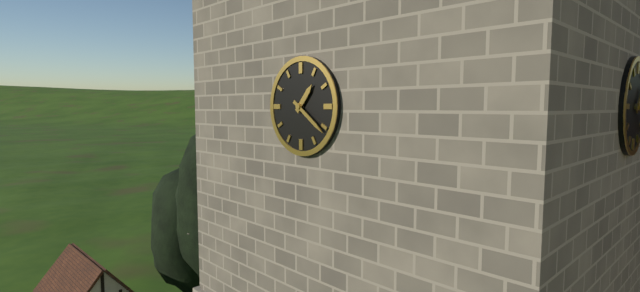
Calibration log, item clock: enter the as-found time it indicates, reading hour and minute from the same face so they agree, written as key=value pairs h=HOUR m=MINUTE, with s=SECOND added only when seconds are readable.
h=1 m=21
